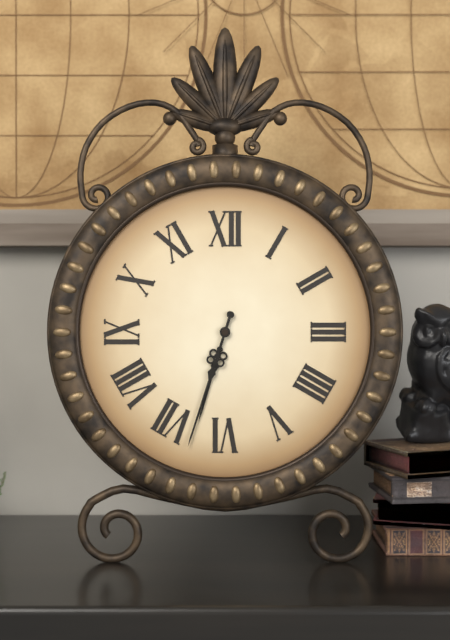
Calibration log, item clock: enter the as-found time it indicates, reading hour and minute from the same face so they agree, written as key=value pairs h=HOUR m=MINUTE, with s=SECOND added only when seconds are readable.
h=6 m=33
